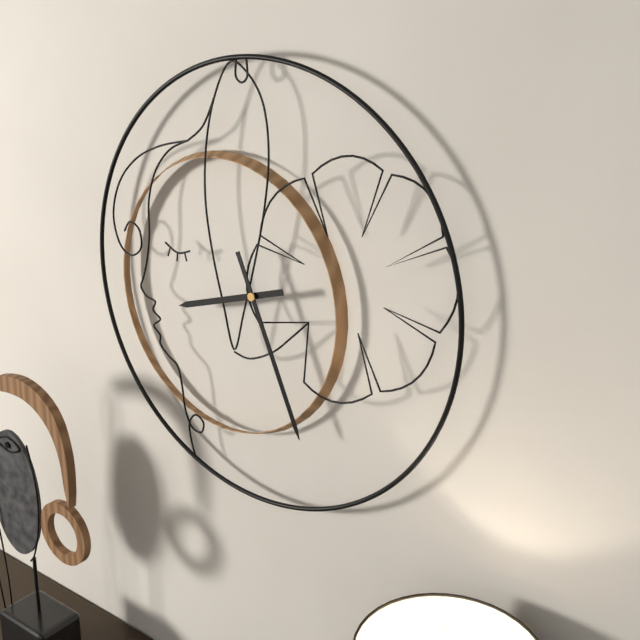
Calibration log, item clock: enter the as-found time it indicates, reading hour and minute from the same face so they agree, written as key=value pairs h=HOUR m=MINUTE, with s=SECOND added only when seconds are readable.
h=8 m=26
